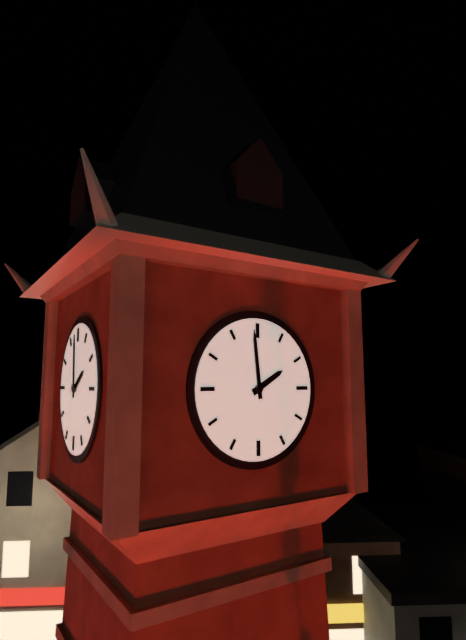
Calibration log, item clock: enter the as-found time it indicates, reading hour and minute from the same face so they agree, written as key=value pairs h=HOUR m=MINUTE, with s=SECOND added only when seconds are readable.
h=1 m=59
